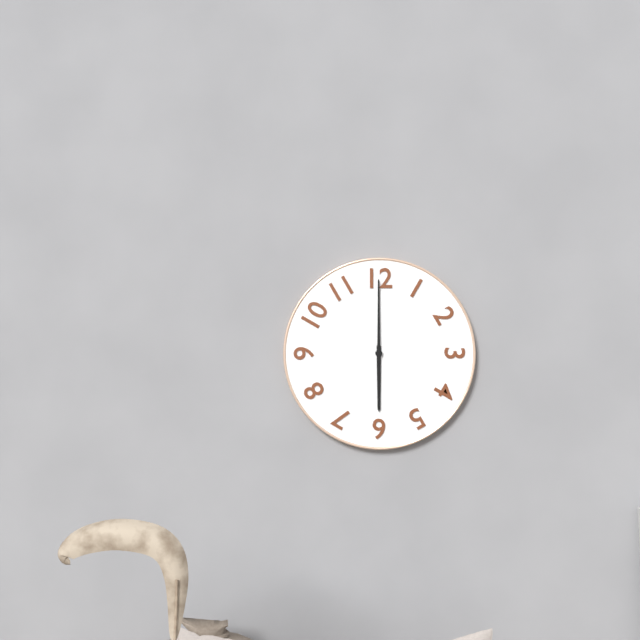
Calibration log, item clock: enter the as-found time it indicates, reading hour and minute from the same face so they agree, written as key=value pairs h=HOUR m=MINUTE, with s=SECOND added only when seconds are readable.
h=6 m=0
